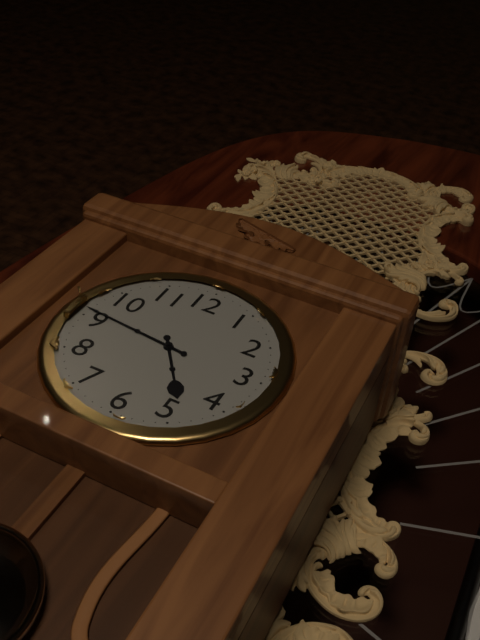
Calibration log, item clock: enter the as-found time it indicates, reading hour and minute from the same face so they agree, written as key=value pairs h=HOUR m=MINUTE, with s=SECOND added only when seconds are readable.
h=4 m=46
